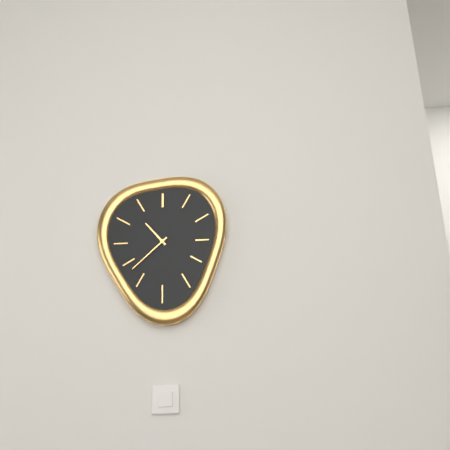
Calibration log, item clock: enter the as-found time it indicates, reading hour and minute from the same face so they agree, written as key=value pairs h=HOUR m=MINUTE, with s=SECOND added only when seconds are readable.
h=10 m=38
